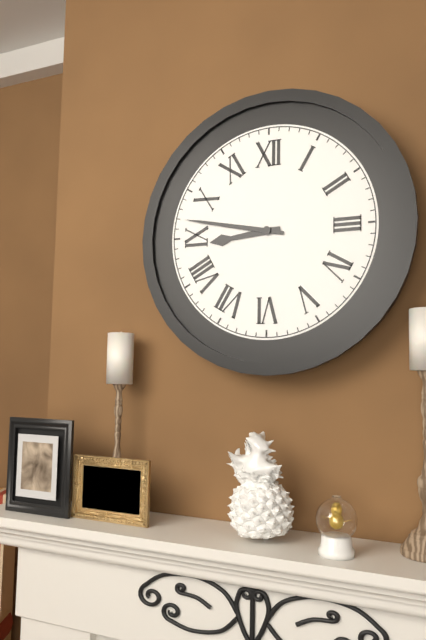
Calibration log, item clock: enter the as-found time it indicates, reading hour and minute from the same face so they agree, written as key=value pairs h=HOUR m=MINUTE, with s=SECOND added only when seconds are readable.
h=8 m=47
